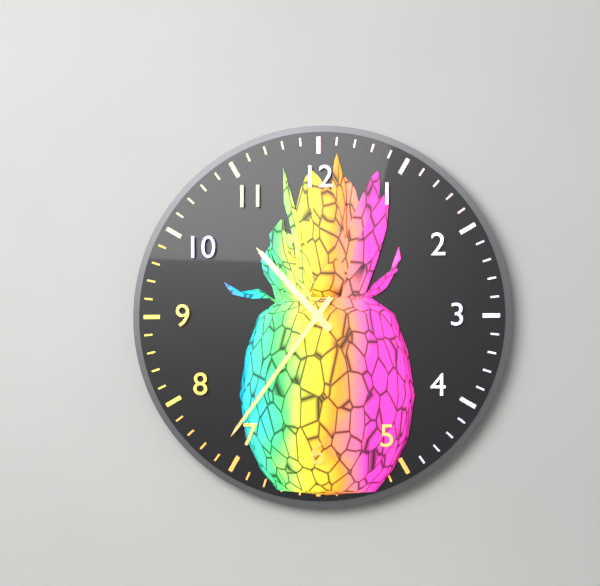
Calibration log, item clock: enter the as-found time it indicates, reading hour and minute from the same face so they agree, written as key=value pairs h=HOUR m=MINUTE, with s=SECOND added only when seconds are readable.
h=10 m=36
